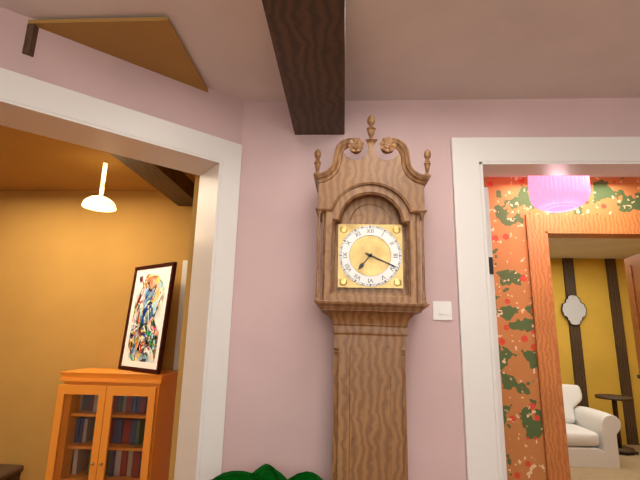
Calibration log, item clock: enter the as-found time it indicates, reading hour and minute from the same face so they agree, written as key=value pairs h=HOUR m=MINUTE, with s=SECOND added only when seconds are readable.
h=7 m=19
